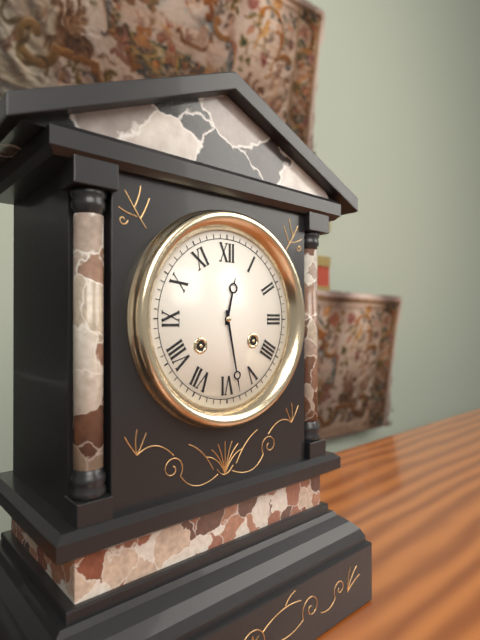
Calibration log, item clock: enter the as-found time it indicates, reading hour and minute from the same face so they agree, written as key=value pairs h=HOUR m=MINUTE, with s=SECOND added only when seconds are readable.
h=12 m=28
